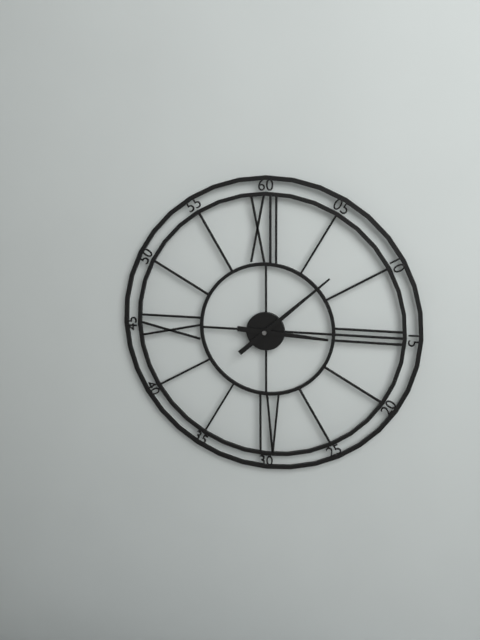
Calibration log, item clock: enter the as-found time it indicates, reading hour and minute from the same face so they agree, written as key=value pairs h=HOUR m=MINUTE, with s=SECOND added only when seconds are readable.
h=3 m=8
